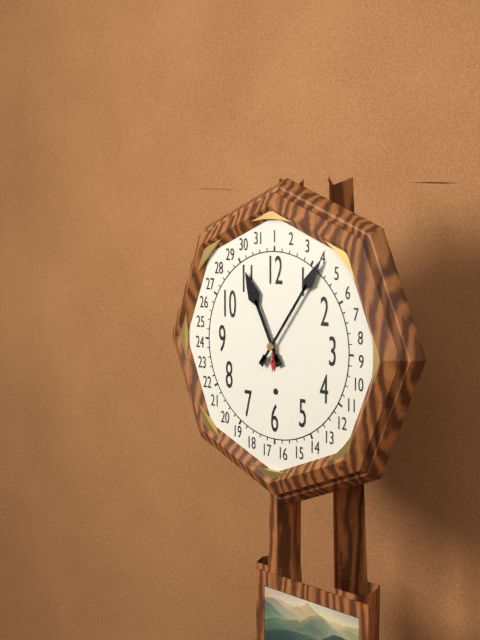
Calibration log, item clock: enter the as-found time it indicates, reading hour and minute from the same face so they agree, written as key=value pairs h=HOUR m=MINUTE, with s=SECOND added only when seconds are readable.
h=11 m=6
